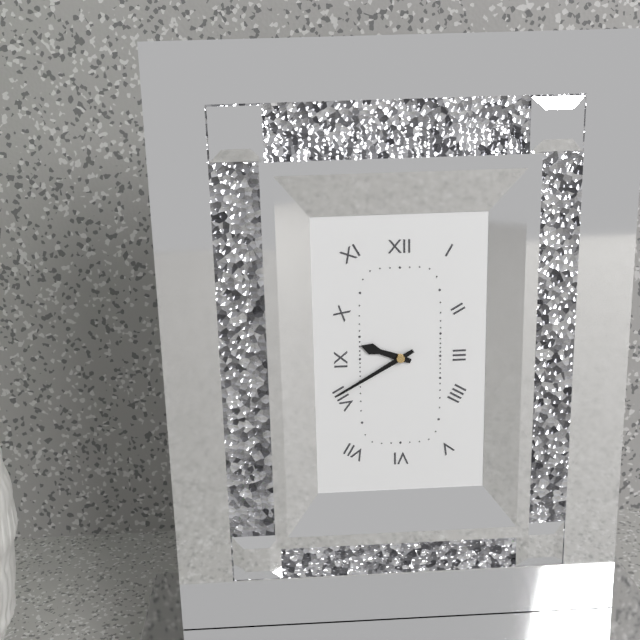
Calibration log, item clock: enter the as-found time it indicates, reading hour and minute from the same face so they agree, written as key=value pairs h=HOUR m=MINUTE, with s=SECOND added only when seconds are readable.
h=9 m=40
